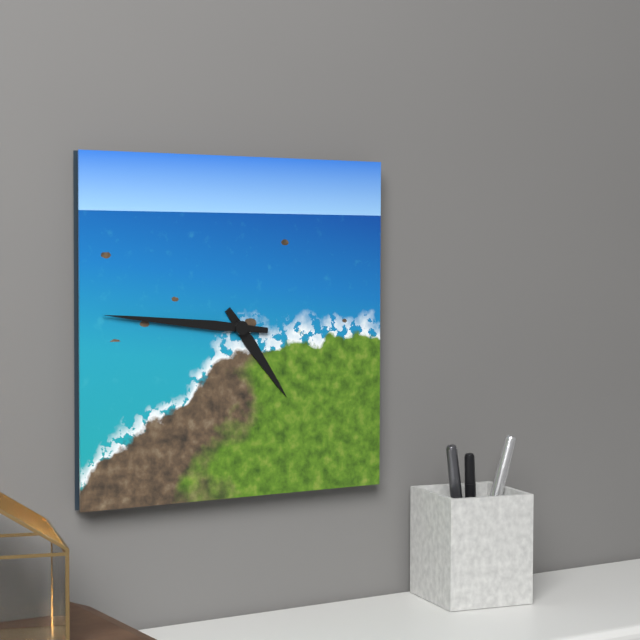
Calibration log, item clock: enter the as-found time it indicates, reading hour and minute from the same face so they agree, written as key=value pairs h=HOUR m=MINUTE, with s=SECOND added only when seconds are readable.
h=4 m=46
